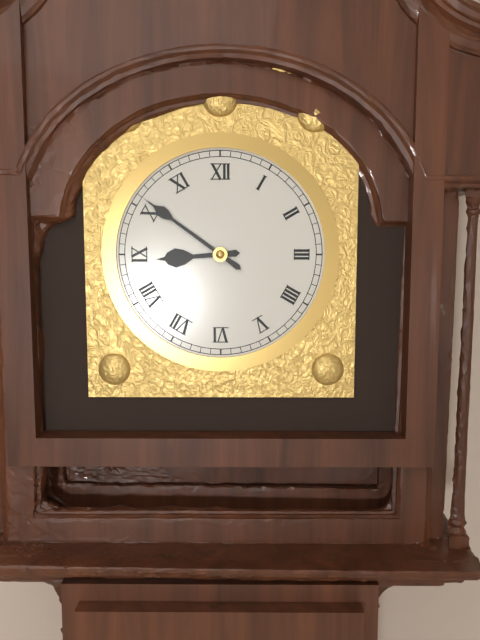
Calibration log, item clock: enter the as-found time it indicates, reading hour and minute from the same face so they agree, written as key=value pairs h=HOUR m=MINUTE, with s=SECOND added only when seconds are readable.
h=8 m=51
